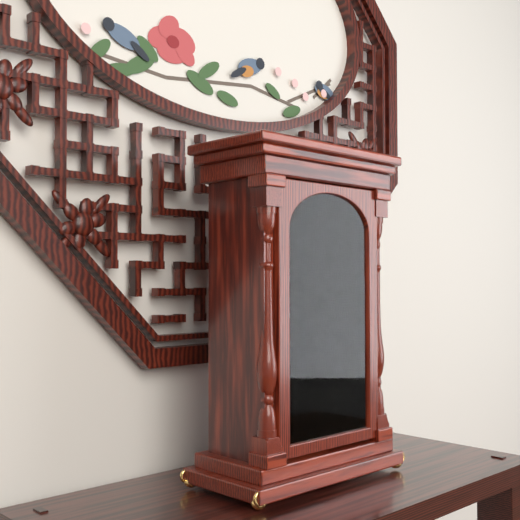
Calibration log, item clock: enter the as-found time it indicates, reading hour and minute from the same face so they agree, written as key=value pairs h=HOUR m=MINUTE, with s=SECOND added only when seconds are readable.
h=10 m=49
